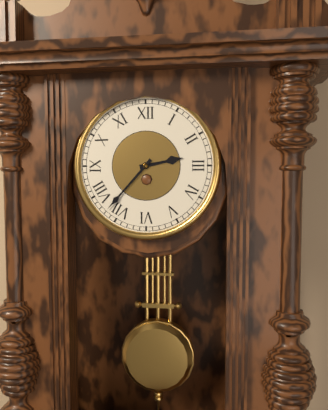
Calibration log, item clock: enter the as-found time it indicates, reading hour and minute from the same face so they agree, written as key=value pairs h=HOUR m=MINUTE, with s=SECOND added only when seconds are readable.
h=2 m=37
